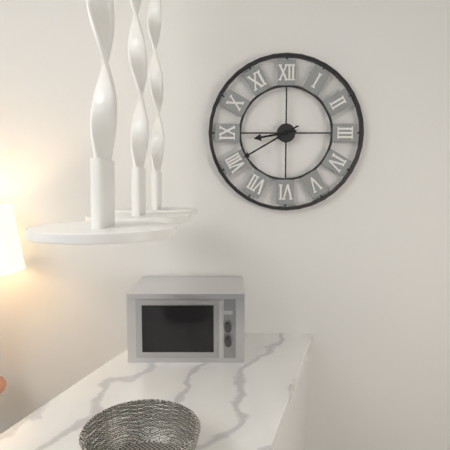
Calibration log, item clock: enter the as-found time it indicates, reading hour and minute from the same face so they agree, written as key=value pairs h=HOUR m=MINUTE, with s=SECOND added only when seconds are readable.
h=8 m=40
